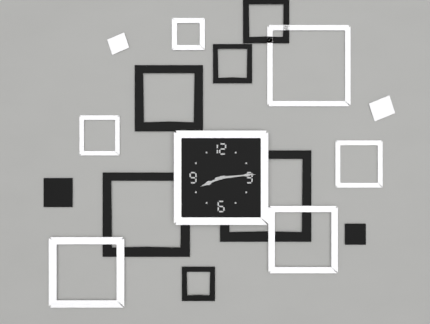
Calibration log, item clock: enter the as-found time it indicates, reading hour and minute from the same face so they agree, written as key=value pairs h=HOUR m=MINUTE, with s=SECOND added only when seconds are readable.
h=8 m=14
